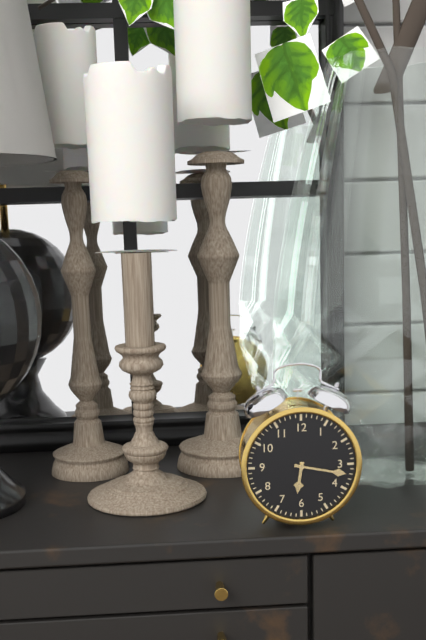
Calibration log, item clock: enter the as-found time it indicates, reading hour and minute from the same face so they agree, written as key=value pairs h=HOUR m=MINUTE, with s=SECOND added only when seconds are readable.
h=6 m=17
